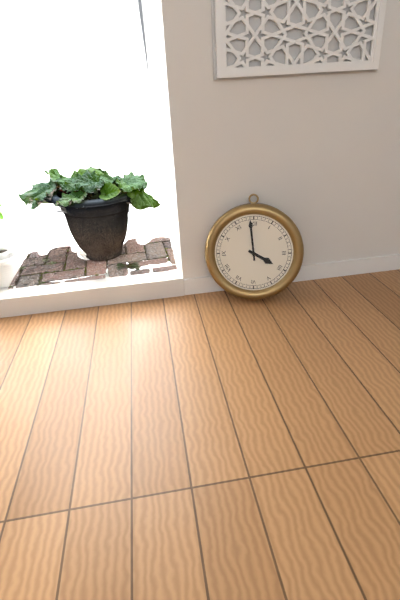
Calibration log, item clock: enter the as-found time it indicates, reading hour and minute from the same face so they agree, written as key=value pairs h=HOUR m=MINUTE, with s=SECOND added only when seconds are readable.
h=3 m=59
